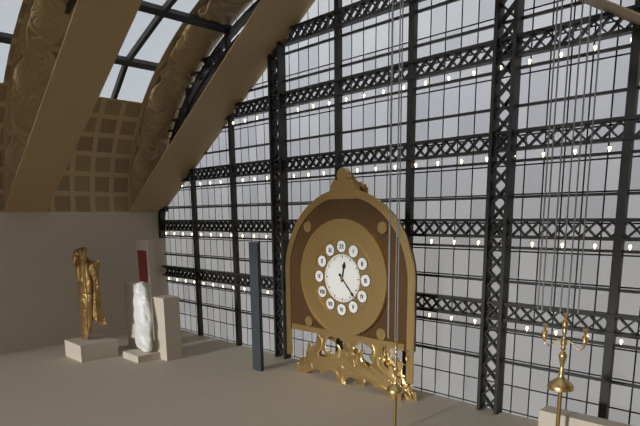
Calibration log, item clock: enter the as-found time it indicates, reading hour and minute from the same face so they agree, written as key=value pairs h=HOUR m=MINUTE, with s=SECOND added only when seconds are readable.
h=12 m=23
